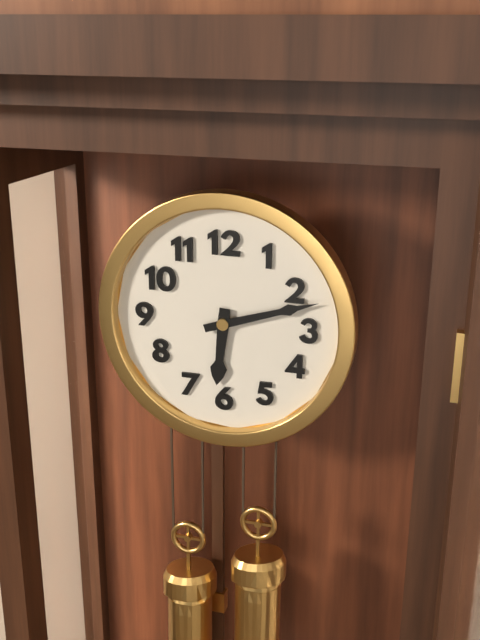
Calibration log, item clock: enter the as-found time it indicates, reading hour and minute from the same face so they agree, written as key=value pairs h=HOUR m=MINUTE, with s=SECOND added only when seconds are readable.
h=6 m=12
